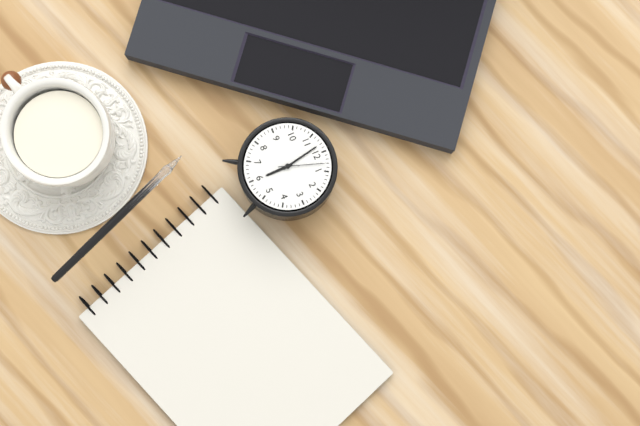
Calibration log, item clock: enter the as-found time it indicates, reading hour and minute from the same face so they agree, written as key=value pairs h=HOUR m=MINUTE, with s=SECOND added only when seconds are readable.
h=5 m=58
